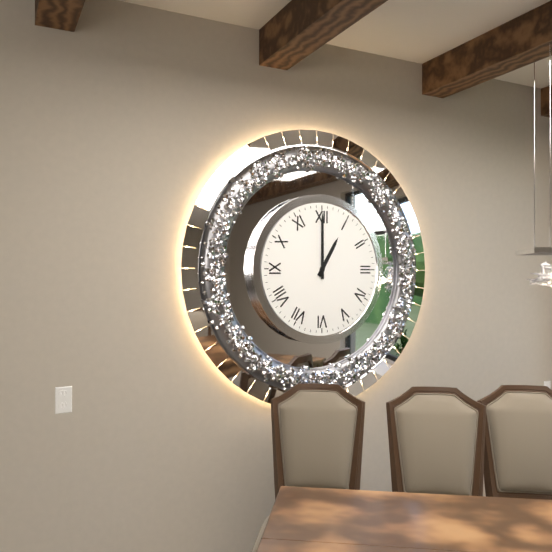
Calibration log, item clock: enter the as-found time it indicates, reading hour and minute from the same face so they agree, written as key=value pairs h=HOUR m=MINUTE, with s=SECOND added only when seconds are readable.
h=1 m=0
